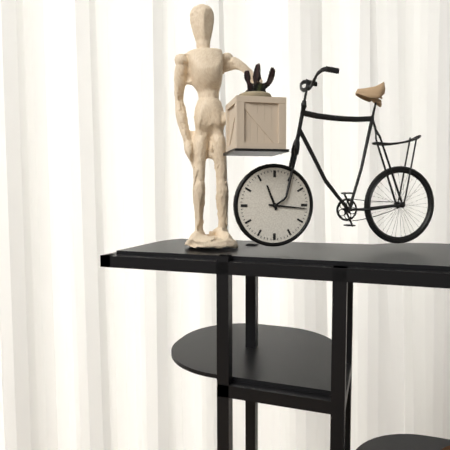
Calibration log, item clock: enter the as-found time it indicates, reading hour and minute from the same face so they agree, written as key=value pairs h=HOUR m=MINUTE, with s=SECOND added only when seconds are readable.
h=11 m=16
